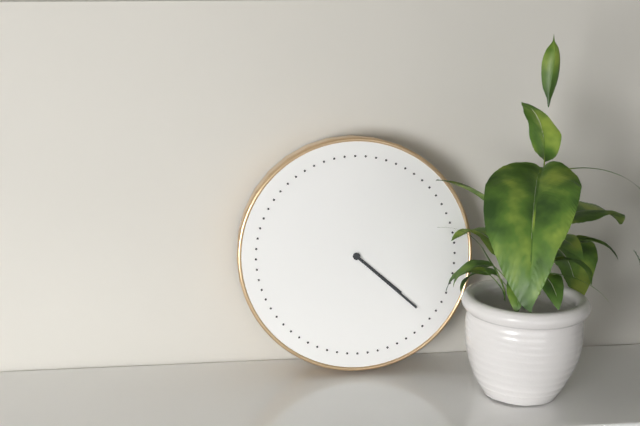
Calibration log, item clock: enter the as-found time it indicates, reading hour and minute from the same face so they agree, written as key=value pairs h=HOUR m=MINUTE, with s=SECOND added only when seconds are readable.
h=4 m=22
